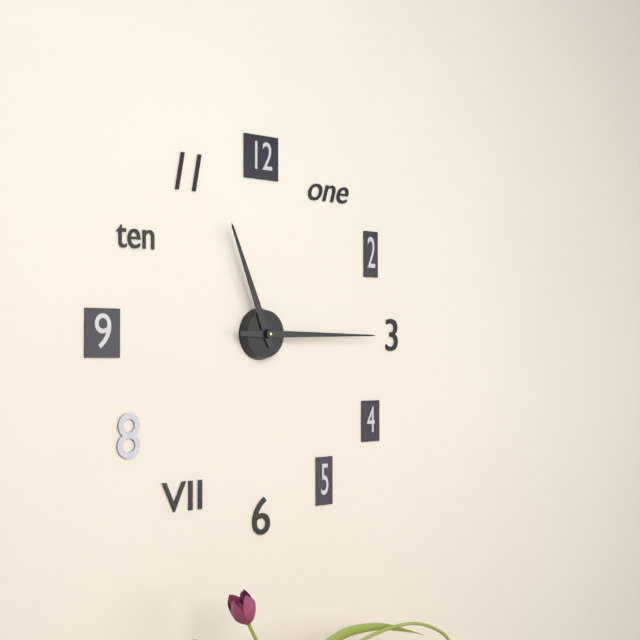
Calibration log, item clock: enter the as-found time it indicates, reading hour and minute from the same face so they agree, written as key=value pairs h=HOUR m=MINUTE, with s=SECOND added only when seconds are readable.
h=11 m=15
